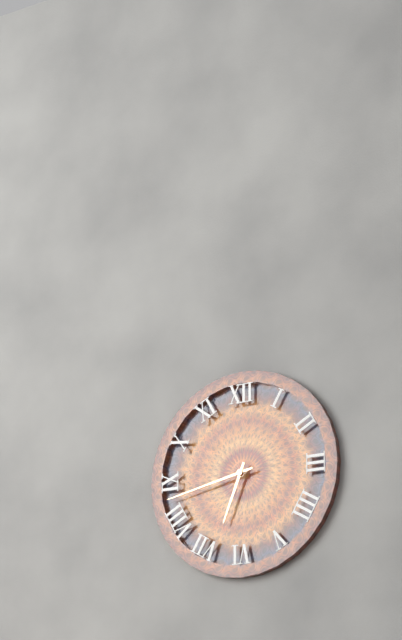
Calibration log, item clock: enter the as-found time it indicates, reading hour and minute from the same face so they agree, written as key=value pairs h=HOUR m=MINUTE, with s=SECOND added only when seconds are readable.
h=6 m=43
